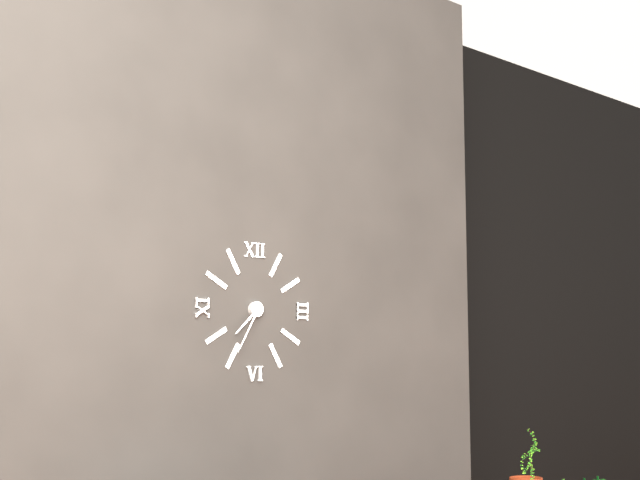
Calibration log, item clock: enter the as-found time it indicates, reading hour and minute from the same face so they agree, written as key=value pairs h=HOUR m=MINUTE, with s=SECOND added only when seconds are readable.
h=7 m=35
